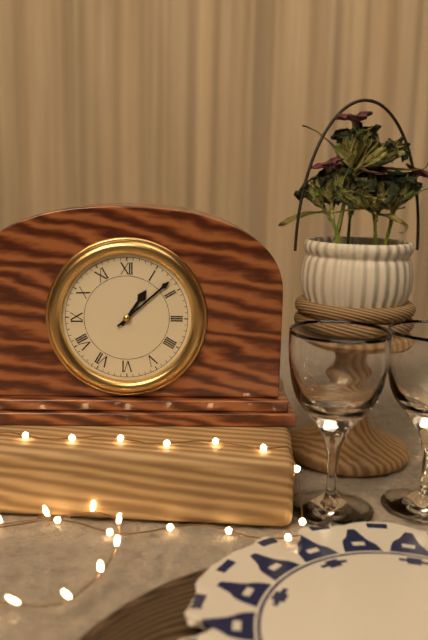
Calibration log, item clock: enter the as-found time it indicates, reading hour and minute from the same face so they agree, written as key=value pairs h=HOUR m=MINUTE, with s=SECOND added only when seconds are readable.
h=1 m=8
